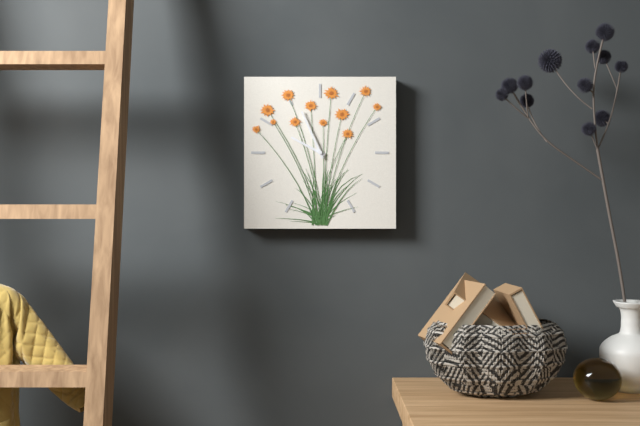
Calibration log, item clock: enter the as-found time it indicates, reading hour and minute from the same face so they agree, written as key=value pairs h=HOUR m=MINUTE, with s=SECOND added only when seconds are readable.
h=9 m=56
